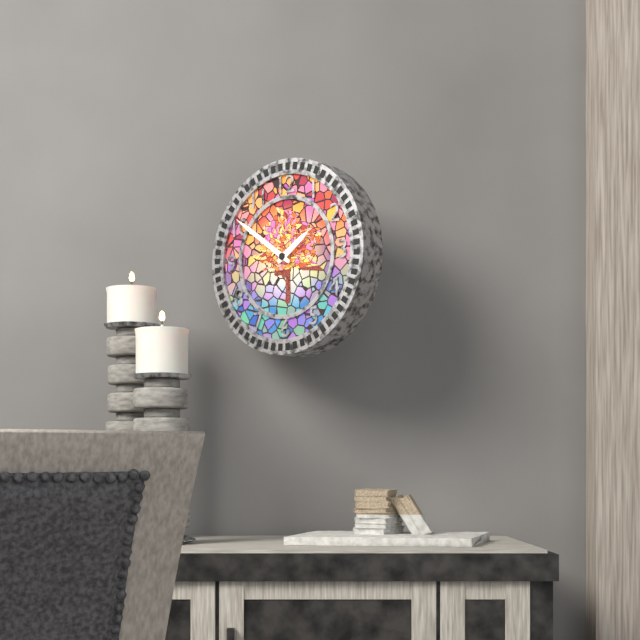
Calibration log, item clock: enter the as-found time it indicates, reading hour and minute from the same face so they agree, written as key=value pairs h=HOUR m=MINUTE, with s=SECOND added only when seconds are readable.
h=1 m=51
